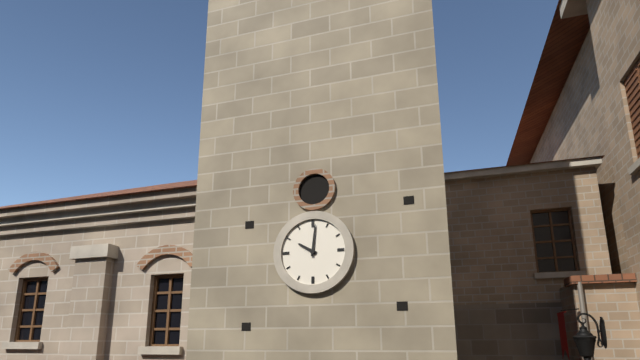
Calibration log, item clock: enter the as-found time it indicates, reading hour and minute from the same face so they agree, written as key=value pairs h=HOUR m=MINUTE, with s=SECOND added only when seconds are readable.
h=10 m=1
